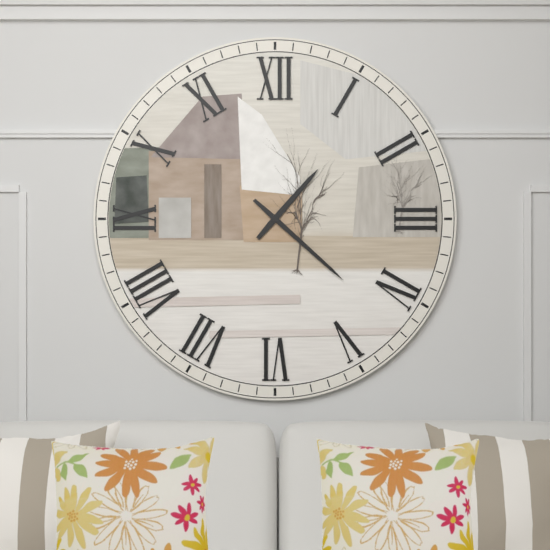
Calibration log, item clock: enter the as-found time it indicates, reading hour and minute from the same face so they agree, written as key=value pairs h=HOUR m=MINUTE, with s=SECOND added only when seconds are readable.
h=1 m=22
